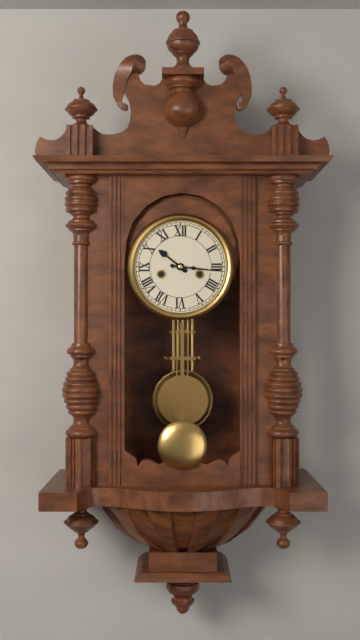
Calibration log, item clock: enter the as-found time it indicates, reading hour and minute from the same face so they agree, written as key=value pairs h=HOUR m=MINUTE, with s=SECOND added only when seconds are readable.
h=10 m=16
